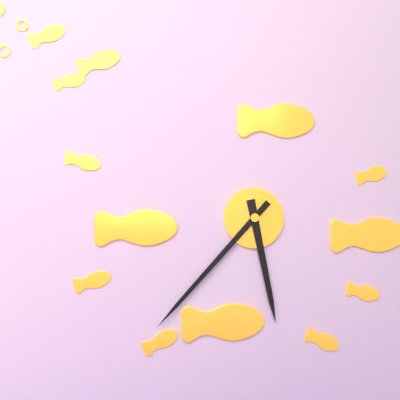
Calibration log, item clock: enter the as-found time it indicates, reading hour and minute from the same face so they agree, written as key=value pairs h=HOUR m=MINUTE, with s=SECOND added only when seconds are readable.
h=5 m=37
